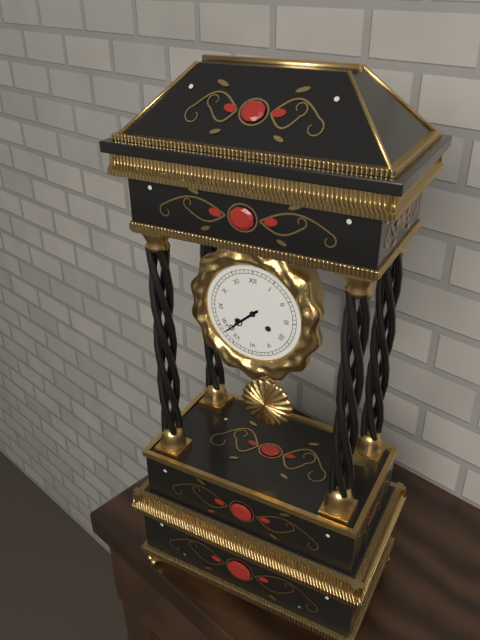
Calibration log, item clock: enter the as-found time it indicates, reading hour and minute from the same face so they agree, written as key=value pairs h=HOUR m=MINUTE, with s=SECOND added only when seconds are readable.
h=7 m=38
